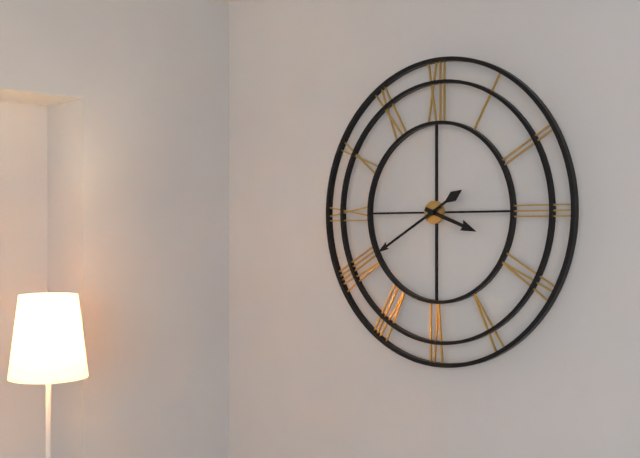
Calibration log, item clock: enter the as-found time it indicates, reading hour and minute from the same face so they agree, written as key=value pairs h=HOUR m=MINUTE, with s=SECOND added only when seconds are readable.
h=3 m=40
